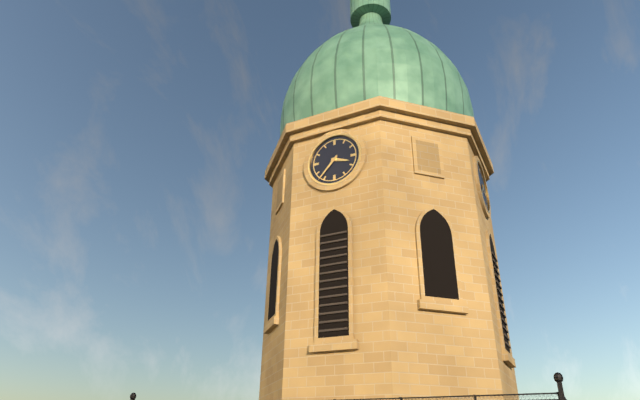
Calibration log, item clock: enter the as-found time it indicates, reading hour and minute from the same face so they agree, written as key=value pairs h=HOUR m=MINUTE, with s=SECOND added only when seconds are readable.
h=3 m=37
